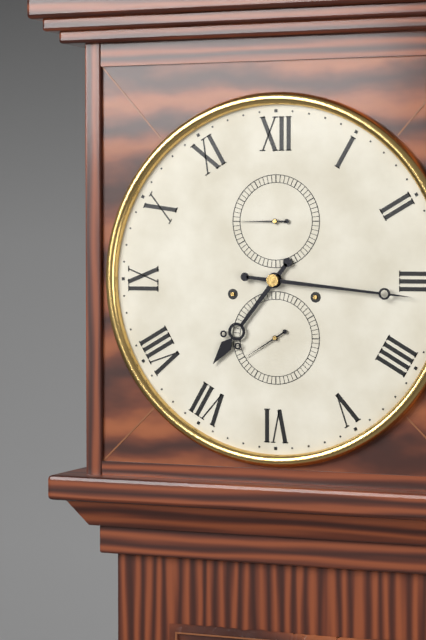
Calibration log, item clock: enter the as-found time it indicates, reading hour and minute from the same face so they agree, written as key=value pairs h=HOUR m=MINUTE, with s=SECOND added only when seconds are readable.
h=7 m=16
